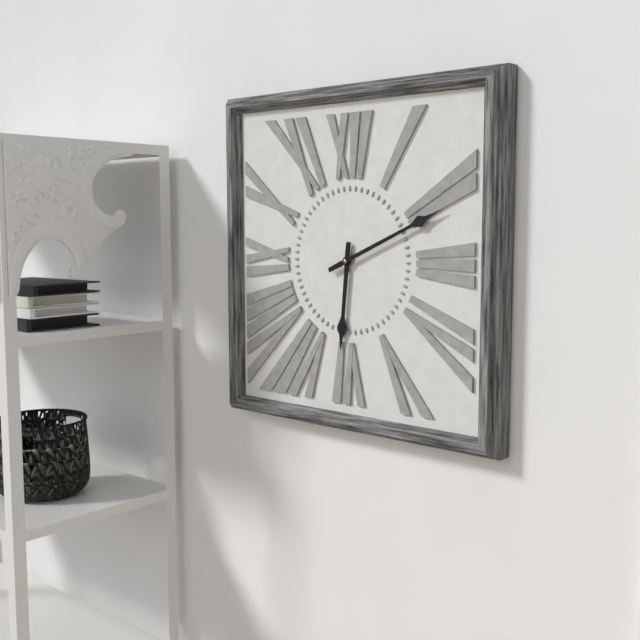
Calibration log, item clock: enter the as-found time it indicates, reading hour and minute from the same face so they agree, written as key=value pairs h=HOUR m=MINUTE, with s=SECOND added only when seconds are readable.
h=6 m=11
